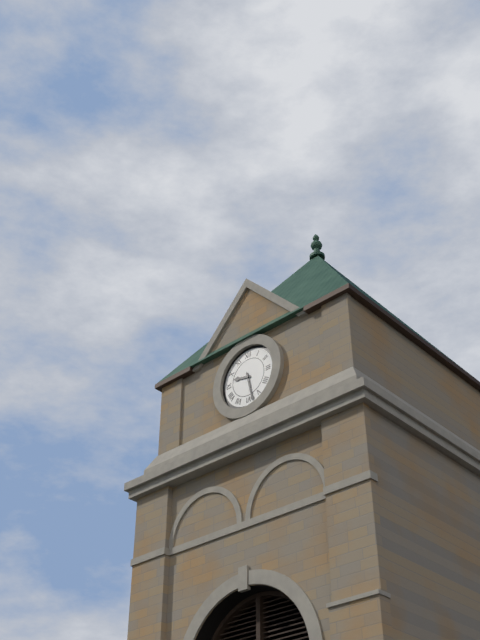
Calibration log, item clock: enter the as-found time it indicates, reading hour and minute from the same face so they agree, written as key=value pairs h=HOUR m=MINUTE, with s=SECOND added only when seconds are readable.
h=9 m=28
